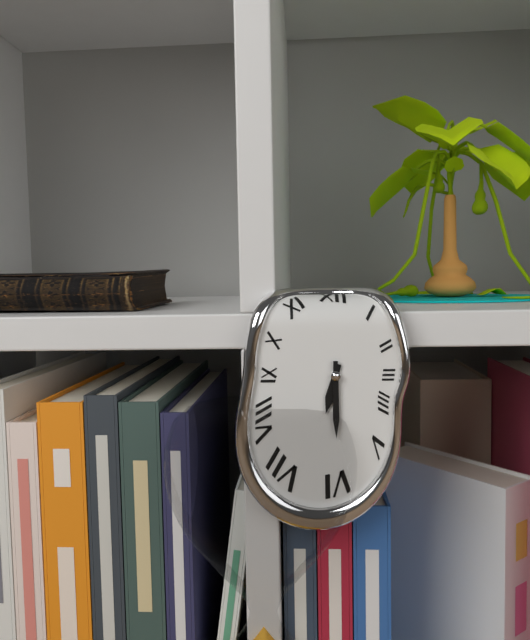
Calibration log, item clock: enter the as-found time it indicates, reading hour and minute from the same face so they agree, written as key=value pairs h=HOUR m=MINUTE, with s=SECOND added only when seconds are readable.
h=6 m=30
